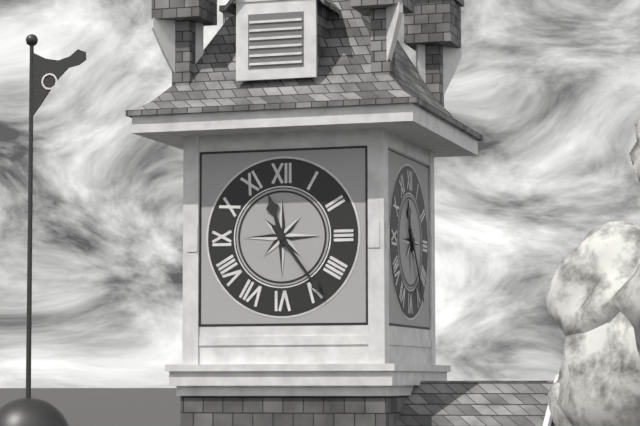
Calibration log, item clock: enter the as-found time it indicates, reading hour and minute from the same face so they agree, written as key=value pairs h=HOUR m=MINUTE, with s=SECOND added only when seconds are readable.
h=11 m=24
